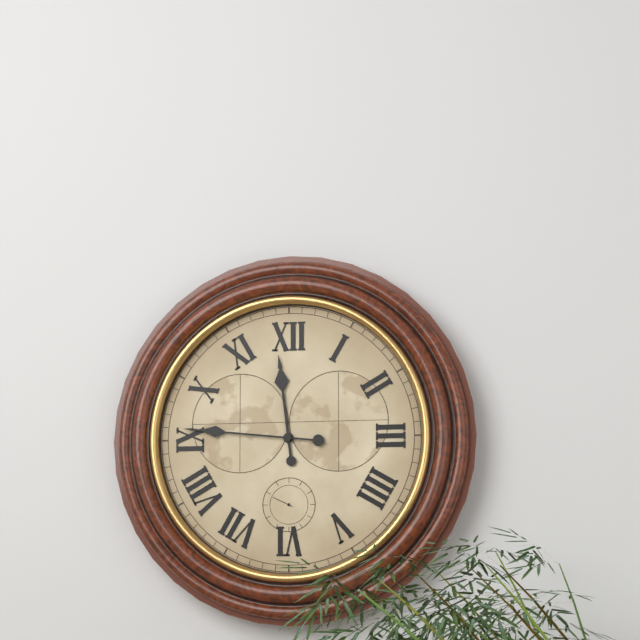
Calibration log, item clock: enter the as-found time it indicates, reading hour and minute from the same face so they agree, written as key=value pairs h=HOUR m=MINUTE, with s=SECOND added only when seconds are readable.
h=11 m=46
